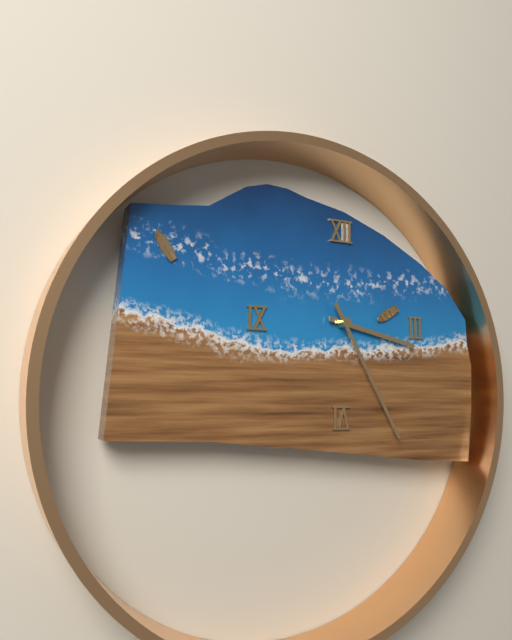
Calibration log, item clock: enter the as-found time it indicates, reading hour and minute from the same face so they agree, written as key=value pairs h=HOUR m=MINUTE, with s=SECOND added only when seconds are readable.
h=3 m=25
